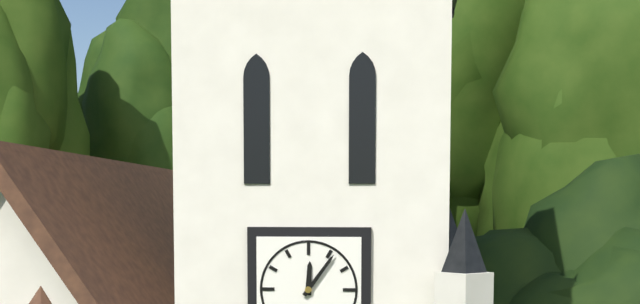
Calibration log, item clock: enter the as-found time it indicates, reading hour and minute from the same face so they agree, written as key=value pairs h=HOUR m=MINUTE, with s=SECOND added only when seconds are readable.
h=12 m=6
